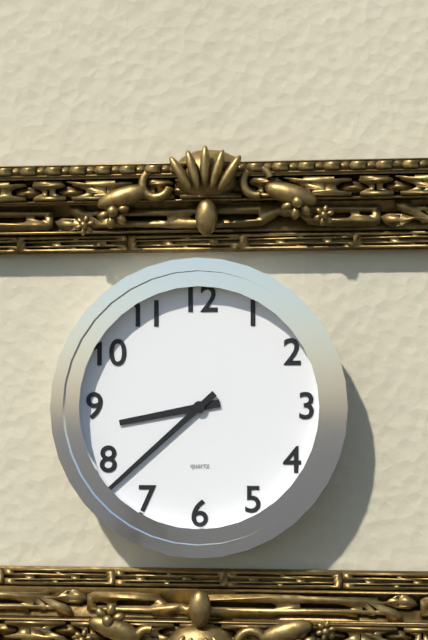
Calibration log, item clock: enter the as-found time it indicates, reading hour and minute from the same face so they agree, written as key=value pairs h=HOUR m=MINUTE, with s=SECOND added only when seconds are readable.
h=8 m=38
